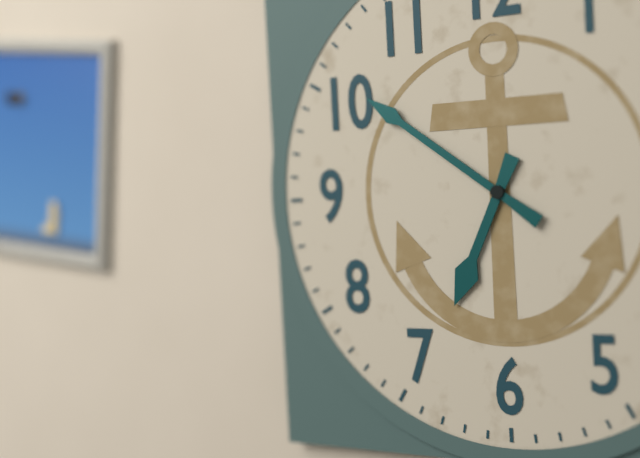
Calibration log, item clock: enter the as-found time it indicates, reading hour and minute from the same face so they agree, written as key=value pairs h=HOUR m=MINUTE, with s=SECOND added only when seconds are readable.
h=6 m=51
